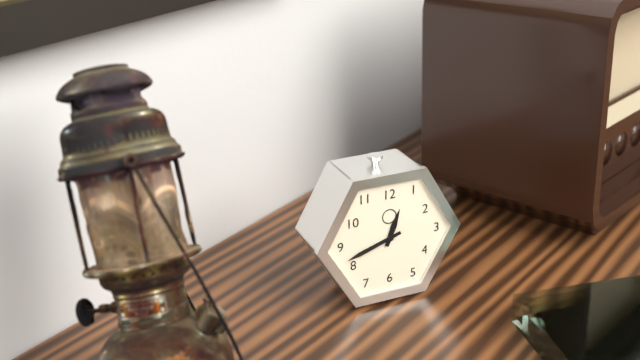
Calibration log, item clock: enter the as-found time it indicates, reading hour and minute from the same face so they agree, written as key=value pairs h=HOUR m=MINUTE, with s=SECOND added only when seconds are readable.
h=12 m=42
